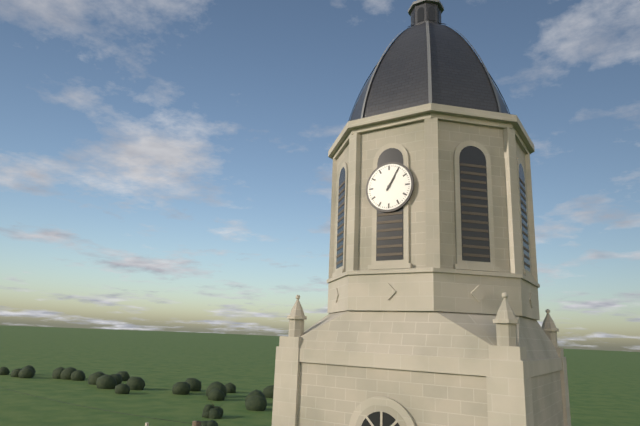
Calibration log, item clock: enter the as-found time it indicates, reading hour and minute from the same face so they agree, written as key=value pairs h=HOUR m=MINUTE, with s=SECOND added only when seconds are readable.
h=1 m=5
